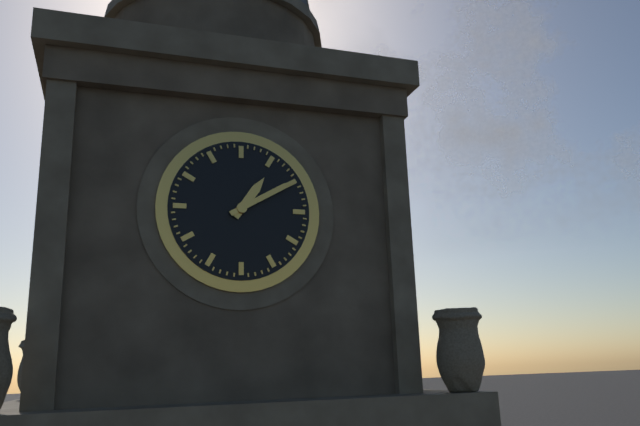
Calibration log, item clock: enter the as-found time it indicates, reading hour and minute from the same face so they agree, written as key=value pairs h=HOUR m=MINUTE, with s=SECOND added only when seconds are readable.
h=1 m=10
